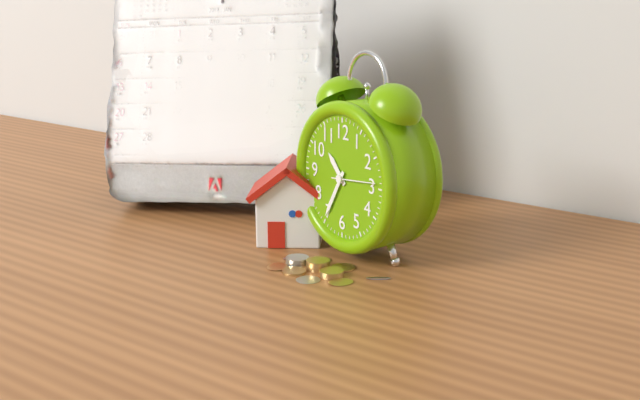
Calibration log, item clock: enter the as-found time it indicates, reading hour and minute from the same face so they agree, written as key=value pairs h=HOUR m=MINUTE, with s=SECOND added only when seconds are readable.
h=10 m=35
